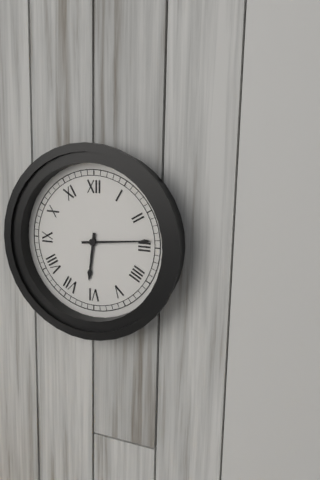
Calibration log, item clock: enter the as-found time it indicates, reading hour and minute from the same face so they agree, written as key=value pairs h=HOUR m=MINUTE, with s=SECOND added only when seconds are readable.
h=6 m=14
